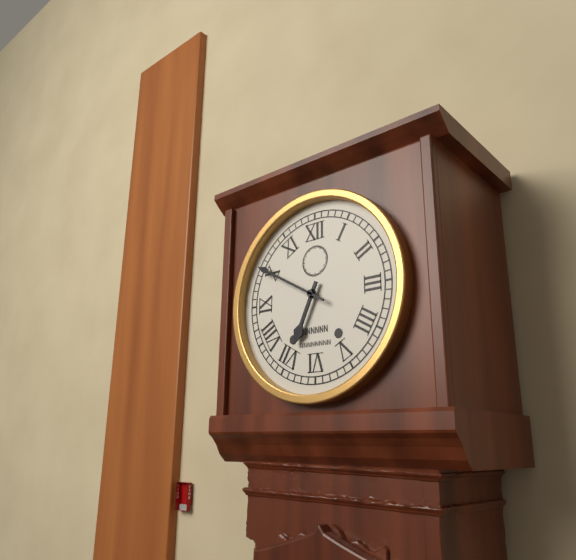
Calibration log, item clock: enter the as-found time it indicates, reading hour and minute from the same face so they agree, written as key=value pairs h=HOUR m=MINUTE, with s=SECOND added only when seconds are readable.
h=6 m=50
